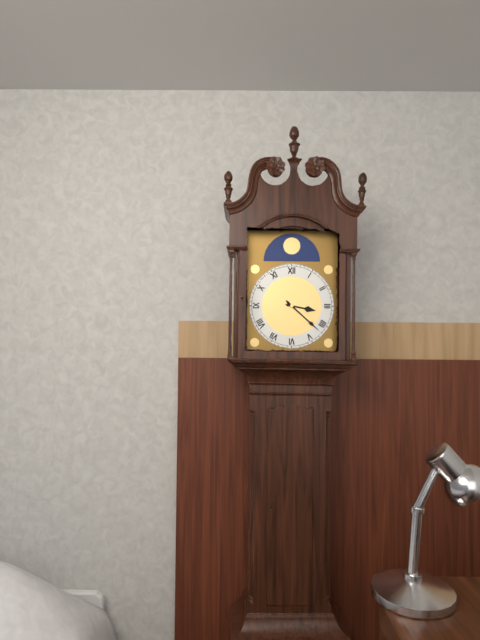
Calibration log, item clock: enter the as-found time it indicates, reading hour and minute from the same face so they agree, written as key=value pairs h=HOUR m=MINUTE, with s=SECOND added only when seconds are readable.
h=3 m=22
